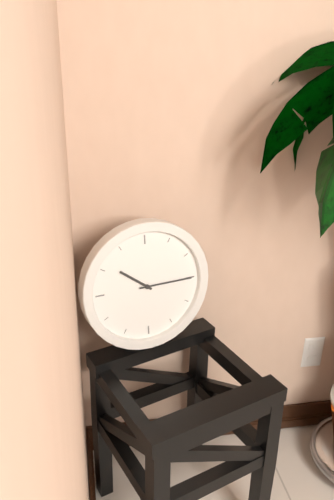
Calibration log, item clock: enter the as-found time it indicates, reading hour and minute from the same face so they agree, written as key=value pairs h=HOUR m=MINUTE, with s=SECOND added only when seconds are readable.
h=10 m=15
